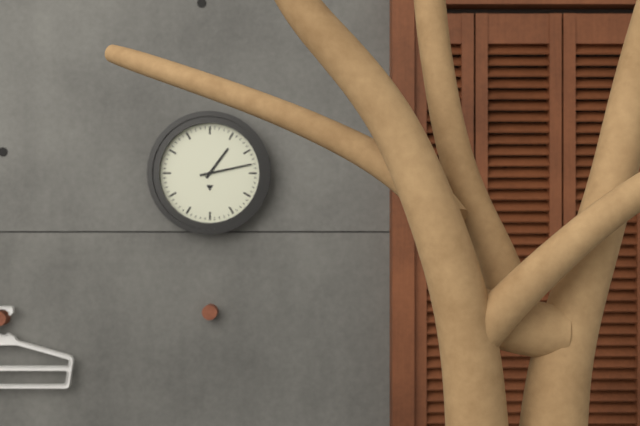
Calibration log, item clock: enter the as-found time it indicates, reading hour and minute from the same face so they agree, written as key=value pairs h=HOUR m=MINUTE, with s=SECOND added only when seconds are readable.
h=1 m=13
